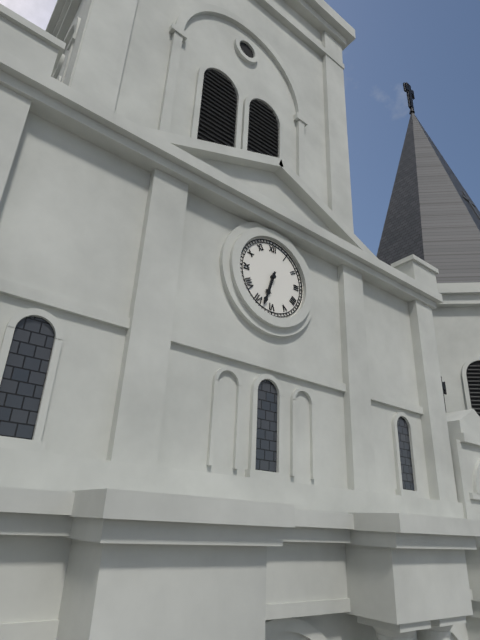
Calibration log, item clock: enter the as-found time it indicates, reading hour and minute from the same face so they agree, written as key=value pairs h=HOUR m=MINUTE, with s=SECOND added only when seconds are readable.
h=6 m=33
